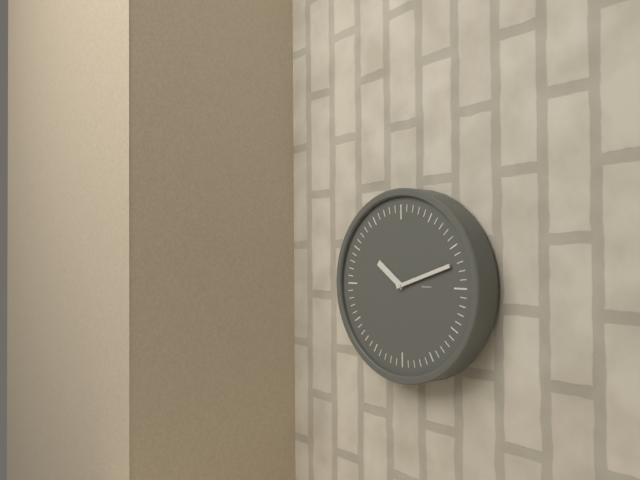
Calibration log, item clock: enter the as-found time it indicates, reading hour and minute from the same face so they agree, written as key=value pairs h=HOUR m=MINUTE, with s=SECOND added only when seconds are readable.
h=10 m=12
